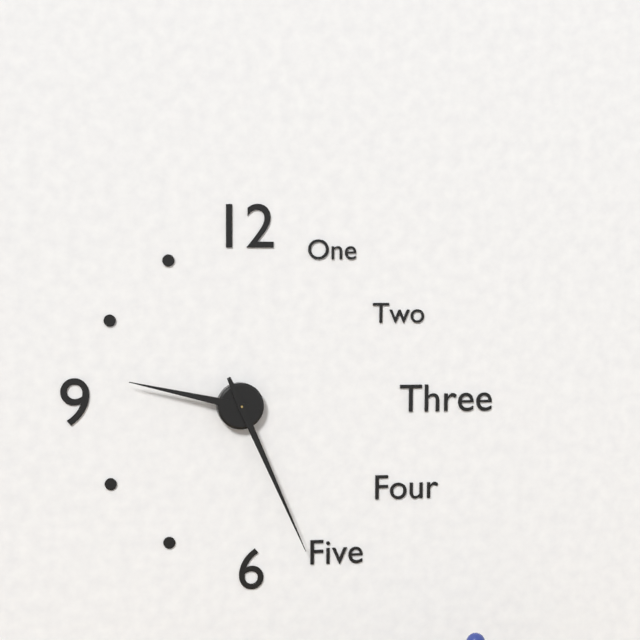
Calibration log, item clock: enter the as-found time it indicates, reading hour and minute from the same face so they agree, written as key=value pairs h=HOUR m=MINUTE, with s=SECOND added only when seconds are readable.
h=9 m=26
